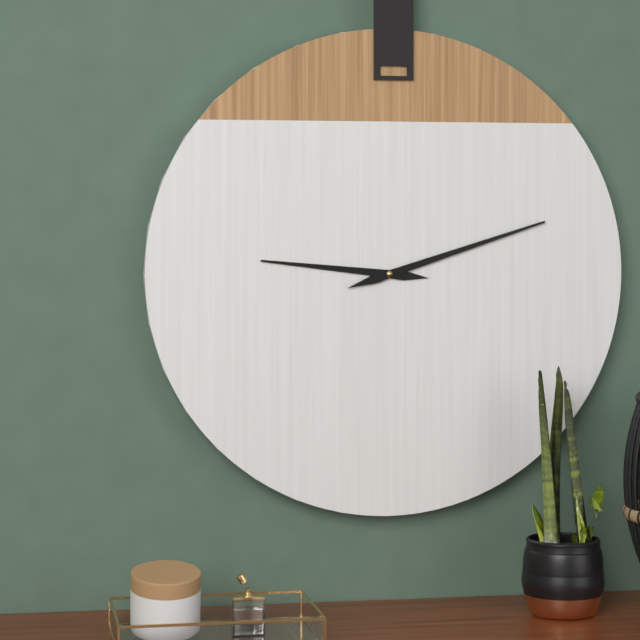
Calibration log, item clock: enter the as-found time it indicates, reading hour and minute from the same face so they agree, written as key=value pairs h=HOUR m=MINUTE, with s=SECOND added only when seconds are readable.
h=9 m=12
